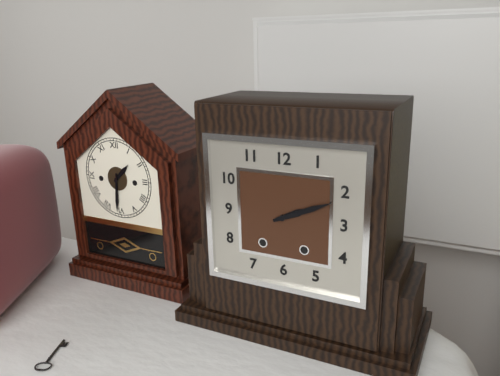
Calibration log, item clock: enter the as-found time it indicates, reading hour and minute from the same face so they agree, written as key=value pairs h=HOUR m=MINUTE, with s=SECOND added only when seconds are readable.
h=2 m=11
